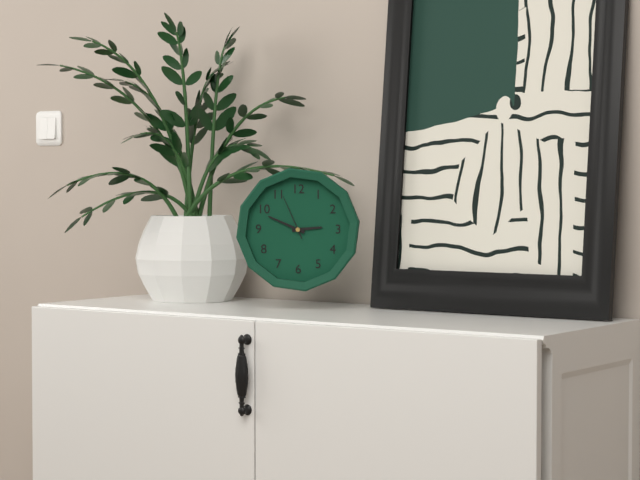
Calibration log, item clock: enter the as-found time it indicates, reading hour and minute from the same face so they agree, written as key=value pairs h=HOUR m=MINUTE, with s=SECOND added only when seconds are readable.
h=2 m=49
